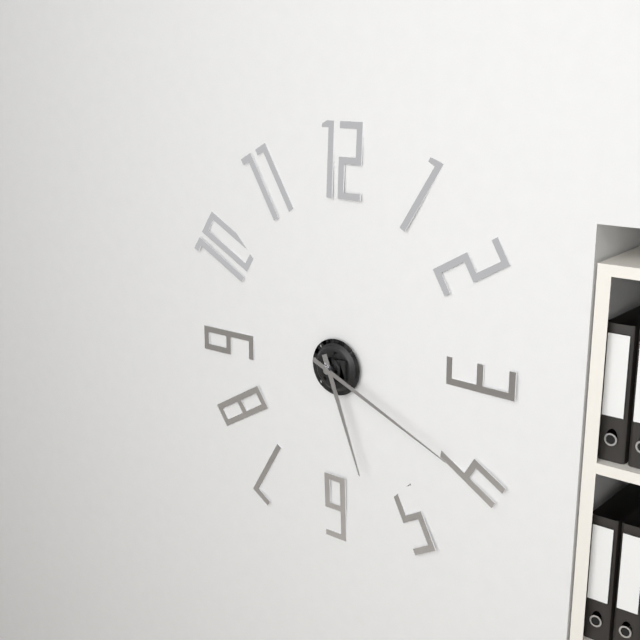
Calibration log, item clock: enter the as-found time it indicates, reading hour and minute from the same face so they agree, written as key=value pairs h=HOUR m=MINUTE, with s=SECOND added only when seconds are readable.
h=5 m=19
